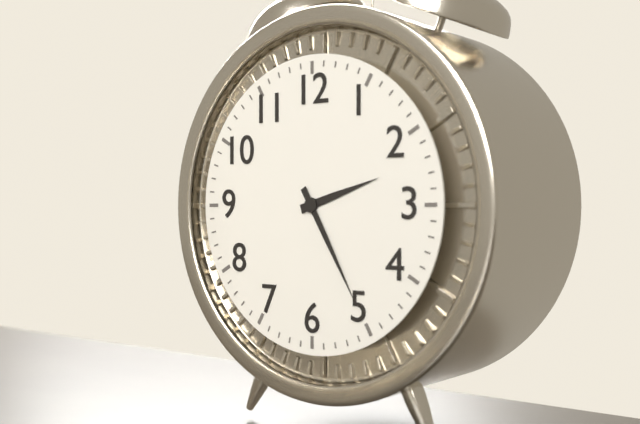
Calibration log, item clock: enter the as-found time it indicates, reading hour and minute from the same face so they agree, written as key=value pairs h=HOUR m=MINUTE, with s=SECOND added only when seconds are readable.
h=2 m=25
